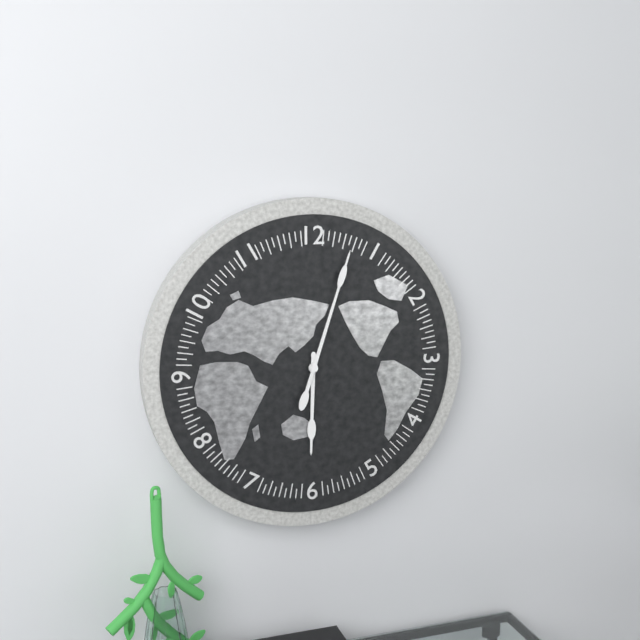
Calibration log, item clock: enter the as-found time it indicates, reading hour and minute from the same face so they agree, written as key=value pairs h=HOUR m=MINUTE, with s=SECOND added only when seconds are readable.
h=6 m=3
